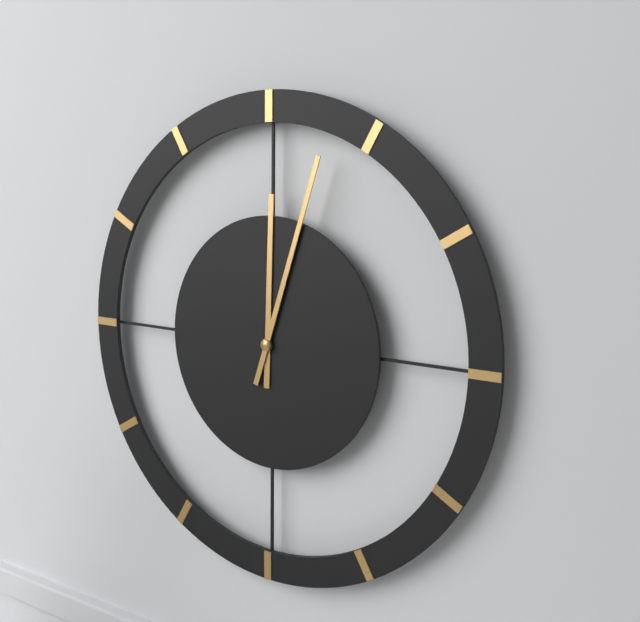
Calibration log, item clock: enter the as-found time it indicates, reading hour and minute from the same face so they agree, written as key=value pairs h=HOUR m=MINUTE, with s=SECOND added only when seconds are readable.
h=12 m=3
